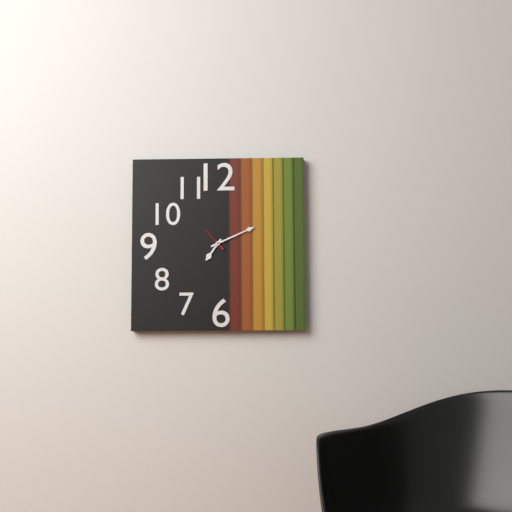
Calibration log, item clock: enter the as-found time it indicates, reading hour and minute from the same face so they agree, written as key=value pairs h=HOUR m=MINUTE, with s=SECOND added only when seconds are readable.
h=7 m=11
